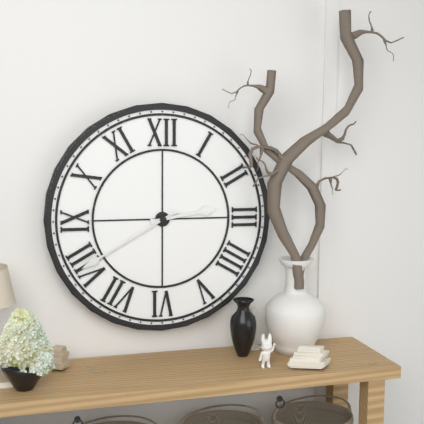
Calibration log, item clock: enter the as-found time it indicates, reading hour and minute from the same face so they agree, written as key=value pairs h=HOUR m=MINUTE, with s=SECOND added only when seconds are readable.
h=2 m=40
